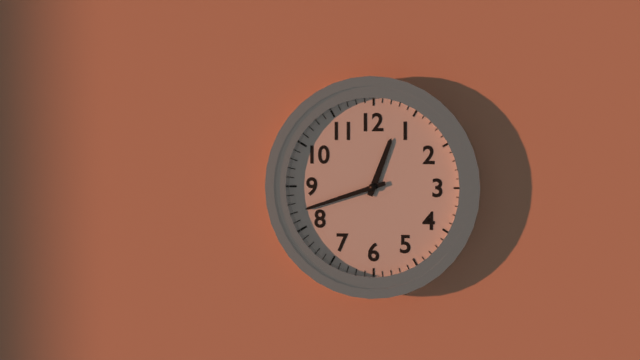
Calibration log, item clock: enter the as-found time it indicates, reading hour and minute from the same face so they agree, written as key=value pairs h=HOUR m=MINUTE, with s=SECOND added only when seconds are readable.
h=12 m=42
